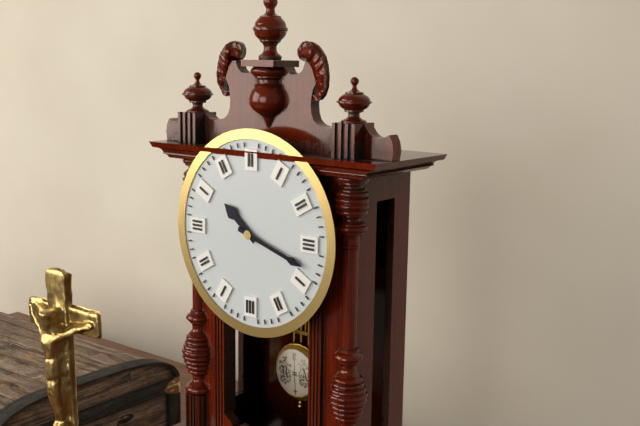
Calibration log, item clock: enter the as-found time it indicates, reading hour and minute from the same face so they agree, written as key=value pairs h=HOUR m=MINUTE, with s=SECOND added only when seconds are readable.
h=10 m=18
